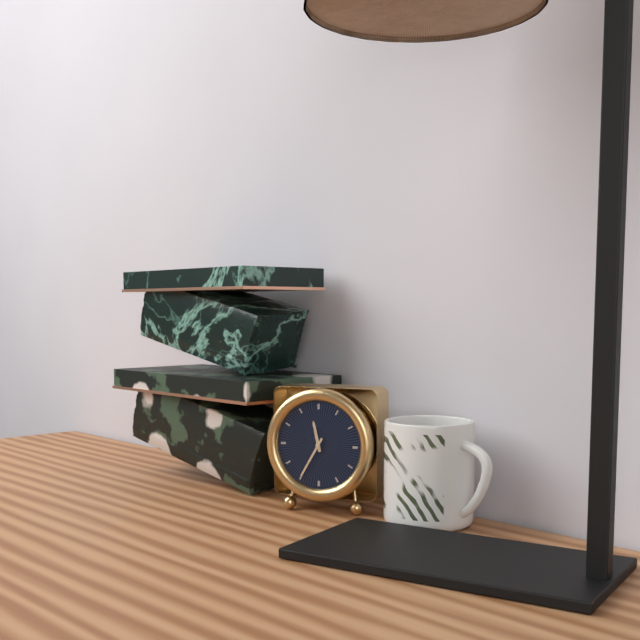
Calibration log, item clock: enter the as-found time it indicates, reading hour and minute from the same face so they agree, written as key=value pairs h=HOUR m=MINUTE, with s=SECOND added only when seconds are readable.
h=11 m=35
